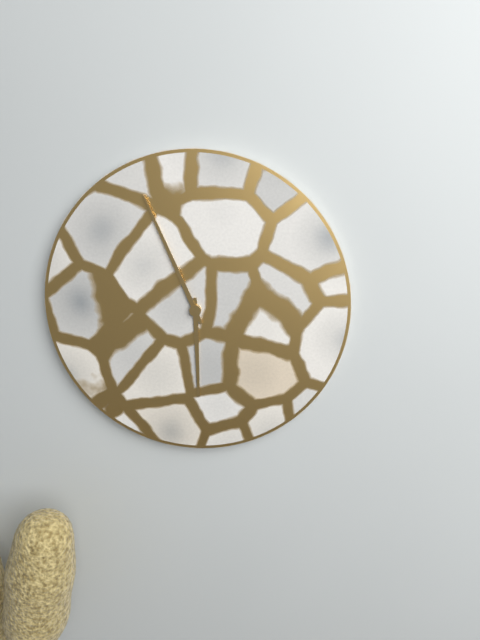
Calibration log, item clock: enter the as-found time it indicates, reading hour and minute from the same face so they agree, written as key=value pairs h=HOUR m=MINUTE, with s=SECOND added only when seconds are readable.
h=5 m=56
